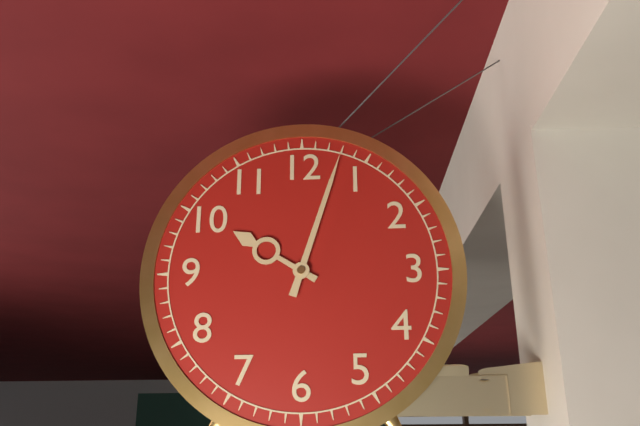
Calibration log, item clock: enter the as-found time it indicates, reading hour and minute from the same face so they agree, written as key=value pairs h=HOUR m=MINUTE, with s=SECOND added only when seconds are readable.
h=10 m=3
